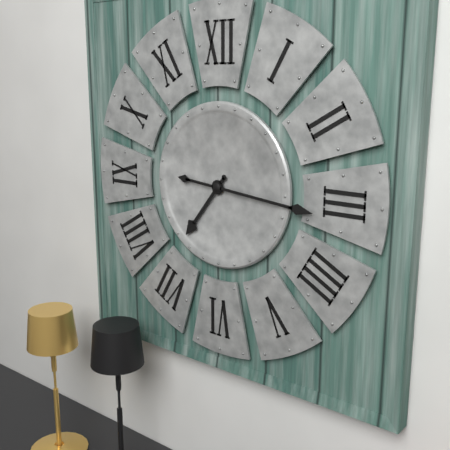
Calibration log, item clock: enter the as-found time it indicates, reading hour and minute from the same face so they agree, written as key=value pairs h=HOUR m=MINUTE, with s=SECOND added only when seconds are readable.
h=7 m=16
